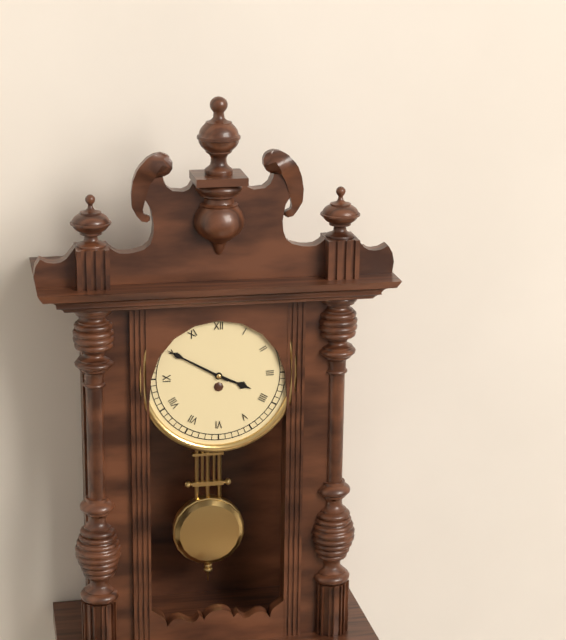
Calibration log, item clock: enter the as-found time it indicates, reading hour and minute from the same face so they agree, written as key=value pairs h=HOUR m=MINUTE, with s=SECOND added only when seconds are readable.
h=3 m=50
